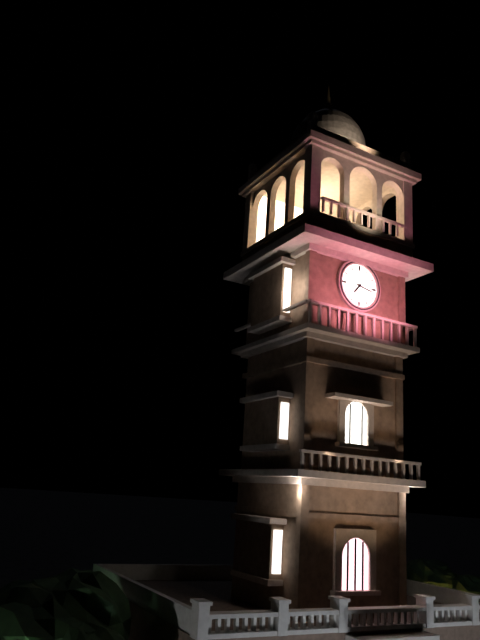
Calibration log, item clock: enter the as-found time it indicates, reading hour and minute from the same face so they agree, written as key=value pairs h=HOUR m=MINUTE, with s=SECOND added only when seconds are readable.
h=7 m=17
